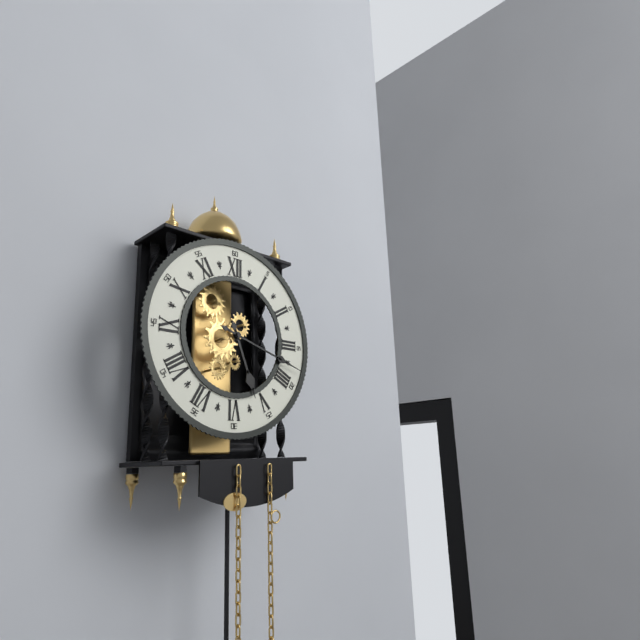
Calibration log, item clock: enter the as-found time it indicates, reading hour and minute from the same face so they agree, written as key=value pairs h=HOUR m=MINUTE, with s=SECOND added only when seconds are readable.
h=5 m=18
